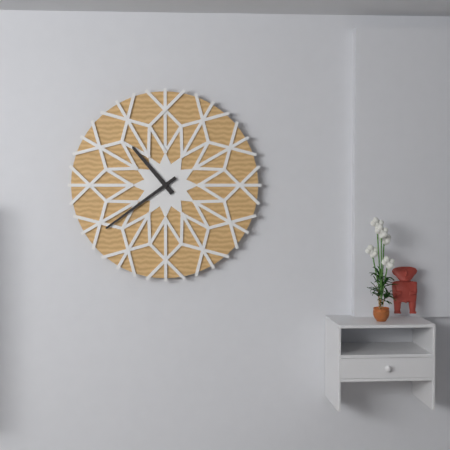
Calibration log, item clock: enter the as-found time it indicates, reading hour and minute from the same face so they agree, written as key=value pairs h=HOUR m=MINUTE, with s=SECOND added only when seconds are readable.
h=10 m=39
